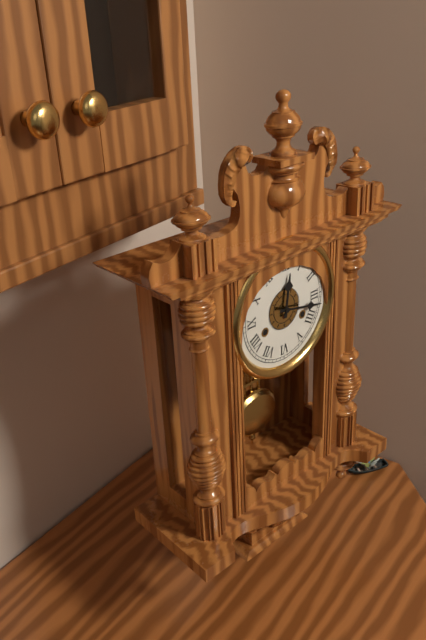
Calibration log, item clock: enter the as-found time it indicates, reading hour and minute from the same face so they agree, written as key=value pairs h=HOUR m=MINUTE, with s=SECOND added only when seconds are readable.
h=12 m=17
